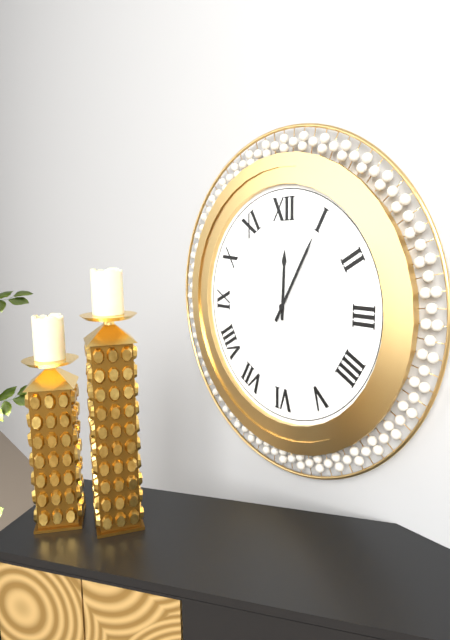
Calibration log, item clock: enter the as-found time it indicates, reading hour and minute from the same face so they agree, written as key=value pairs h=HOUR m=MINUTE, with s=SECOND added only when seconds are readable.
h=12 m=5
